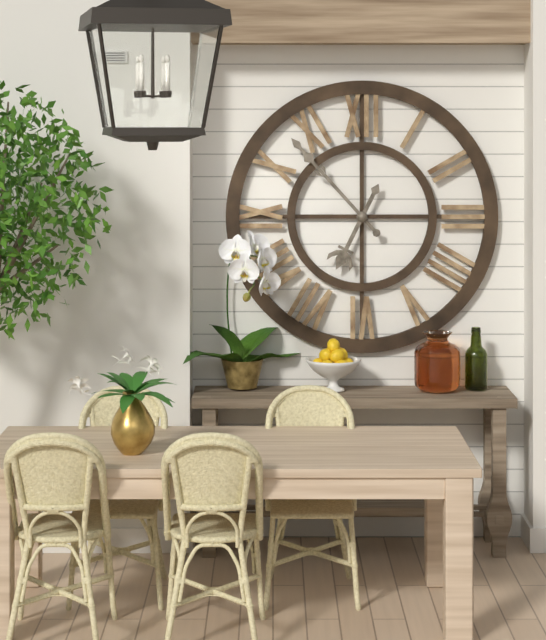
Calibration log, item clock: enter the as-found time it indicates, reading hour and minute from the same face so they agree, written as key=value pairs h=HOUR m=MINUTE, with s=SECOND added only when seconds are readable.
h=6 m=53
